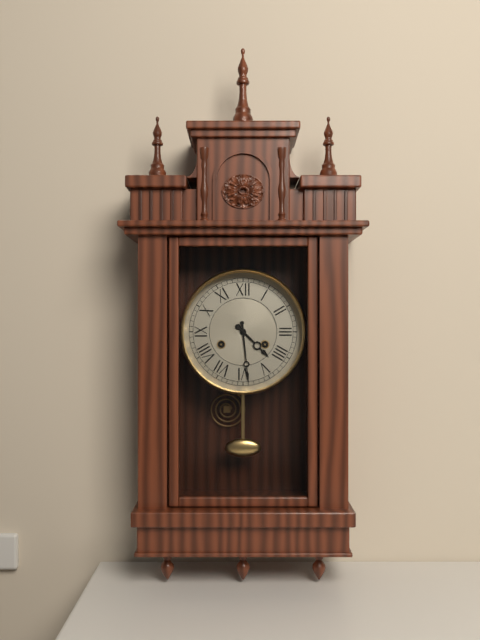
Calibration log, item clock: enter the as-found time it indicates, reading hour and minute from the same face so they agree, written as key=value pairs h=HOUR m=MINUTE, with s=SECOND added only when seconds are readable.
h=4 m=29
